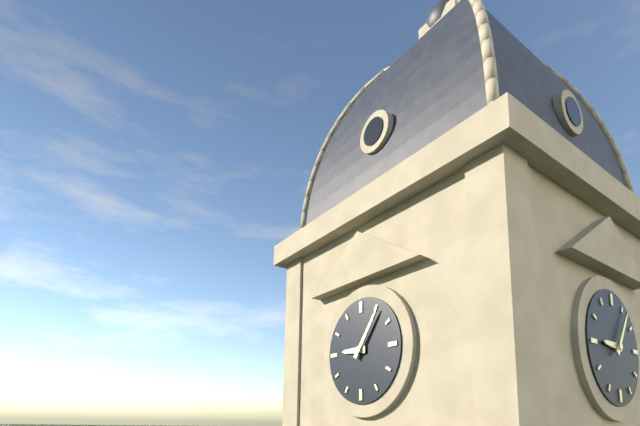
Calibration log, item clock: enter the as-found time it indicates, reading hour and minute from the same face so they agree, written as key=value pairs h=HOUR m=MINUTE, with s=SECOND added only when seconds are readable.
h=9 m=6
